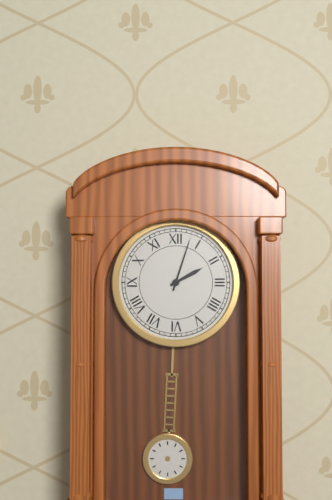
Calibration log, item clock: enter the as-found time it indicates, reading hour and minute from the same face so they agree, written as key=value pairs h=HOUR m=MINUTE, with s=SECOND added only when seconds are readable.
h=2 m=3
